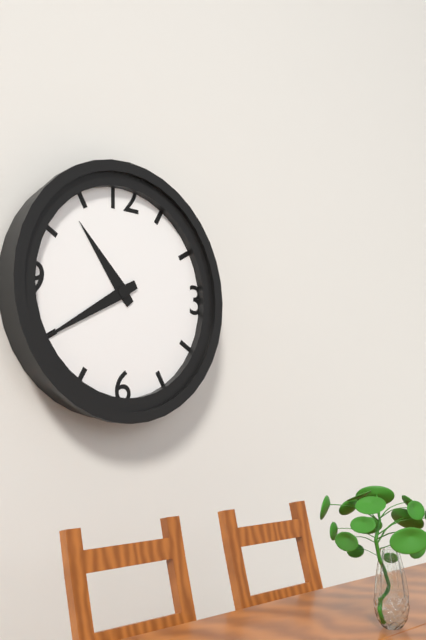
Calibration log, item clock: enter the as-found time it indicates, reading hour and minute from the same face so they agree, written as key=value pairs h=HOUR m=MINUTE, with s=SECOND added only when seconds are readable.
h=10 m=40
